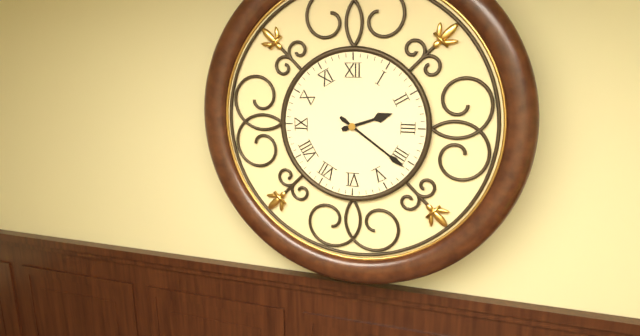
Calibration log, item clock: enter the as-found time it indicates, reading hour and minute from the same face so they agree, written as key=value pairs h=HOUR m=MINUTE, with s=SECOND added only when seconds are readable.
h=2 m=21
